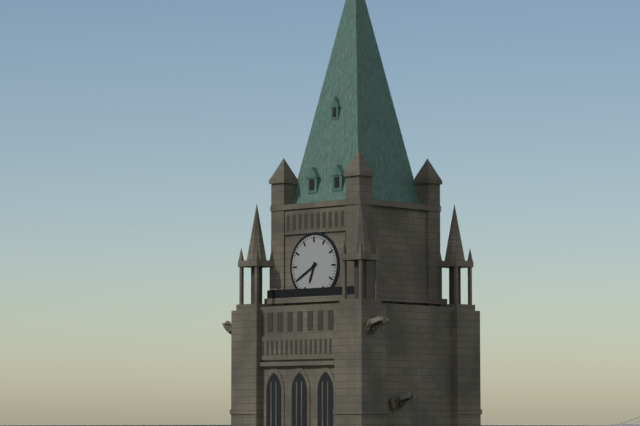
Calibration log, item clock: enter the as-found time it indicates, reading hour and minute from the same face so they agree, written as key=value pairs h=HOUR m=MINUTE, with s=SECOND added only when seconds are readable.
h=6 m=40
